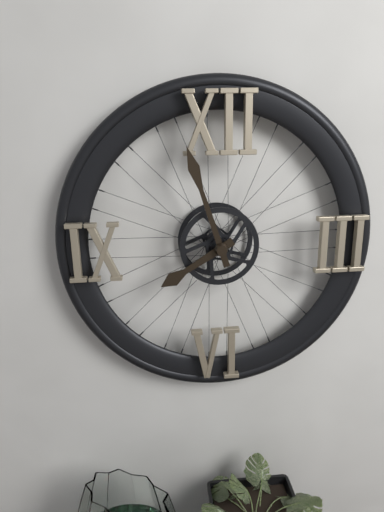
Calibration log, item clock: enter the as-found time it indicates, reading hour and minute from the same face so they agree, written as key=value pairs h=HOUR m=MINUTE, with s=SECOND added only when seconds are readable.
h=7 m=57
